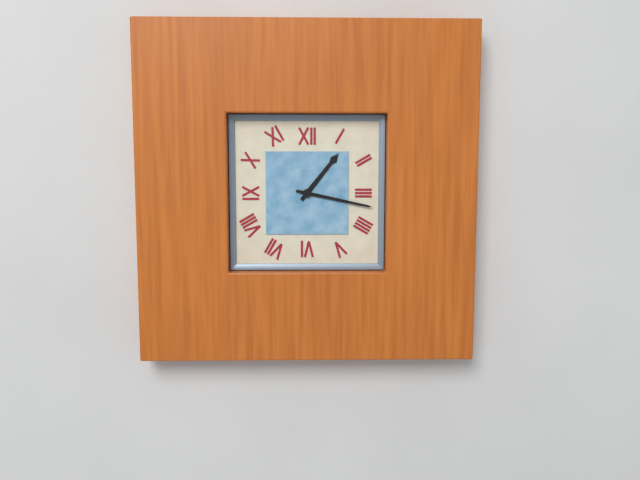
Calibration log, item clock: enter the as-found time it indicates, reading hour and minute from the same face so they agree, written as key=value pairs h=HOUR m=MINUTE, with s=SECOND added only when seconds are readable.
h=1 m=17
